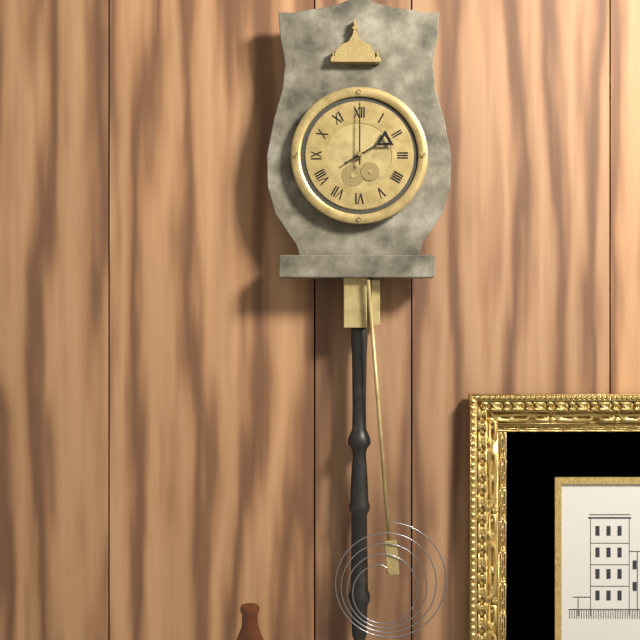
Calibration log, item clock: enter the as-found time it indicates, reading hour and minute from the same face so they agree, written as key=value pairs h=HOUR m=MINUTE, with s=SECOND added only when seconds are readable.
h=2 m=0
